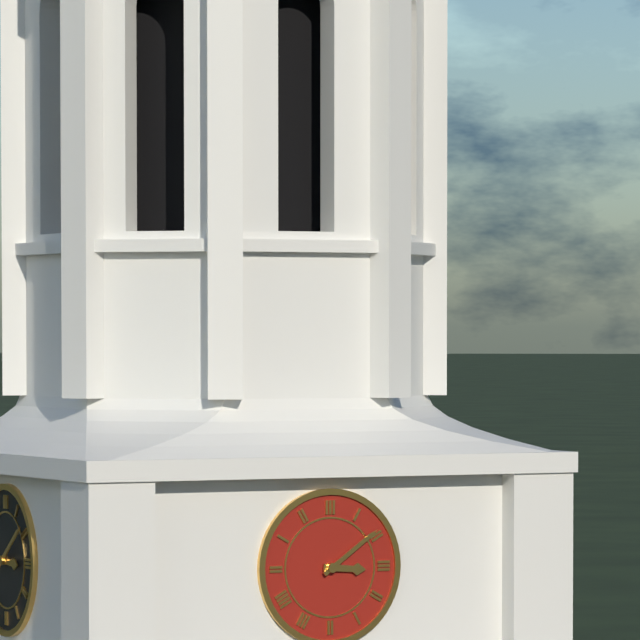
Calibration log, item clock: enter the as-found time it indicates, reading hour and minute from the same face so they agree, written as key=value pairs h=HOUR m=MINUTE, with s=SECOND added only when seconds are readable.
h=3 m=9
